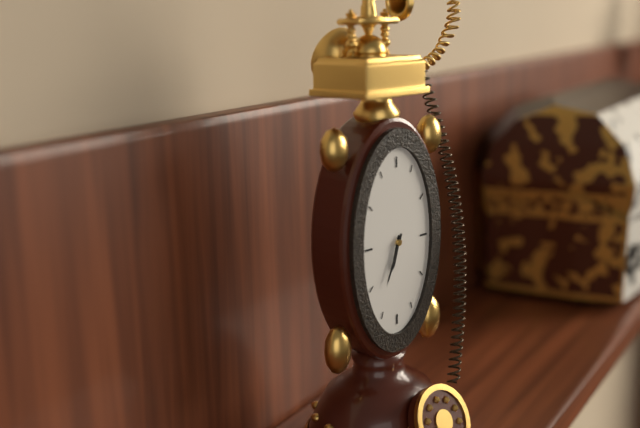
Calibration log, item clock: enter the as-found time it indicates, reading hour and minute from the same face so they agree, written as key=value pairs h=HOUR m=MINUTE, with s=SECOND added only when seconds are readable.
h=6 m=34
